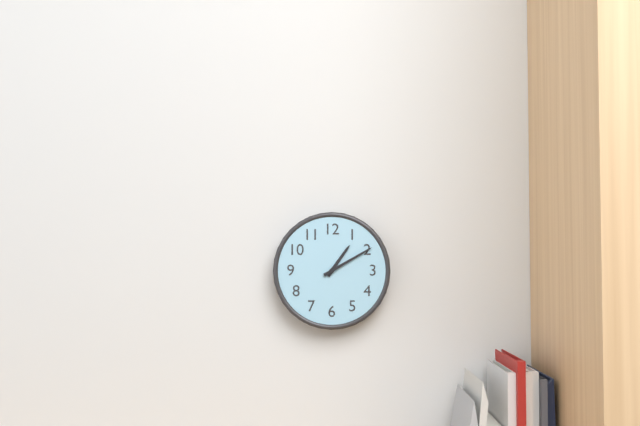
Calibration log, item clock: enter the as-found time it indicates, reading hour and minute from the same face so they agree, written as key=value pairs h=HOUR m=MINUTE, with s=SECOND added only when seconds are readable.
h=1 m=10
